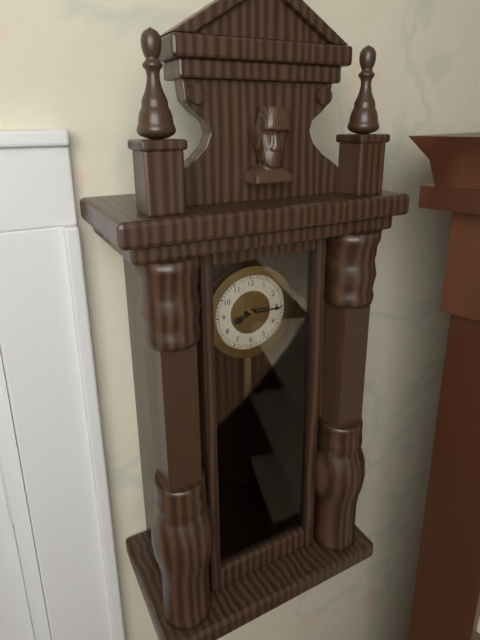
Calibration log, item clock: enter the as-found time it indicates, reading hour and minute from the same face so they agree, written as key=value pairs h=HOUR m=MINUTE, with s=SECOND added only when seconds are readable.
h=8 m=15
